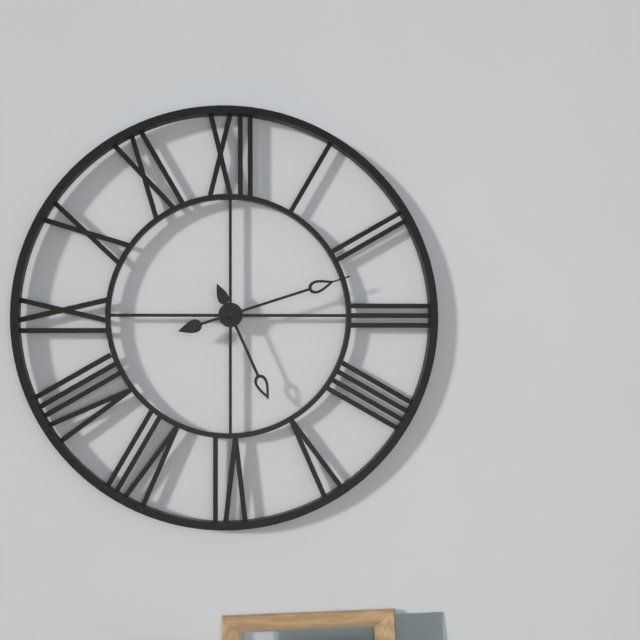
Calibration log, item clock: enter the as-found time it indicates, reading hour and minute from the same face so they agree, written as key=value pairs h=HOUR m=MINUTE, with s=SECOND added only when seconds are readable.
h=5 m=12
